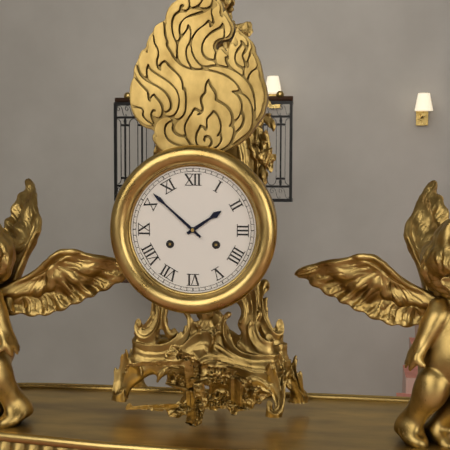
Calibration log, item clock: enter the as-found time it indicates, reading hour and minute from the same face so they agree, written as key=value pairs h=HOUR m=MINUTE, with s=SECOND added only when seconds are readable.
h=1 m=52
